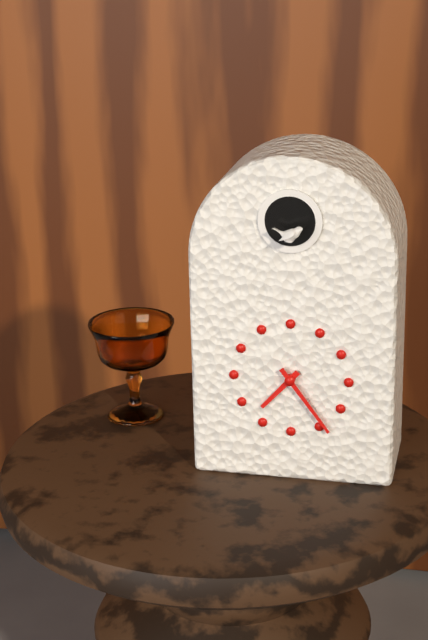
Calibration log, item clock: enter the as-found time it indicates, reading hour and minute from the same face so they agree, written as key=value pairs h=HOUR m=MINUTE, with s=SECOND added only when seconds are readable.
h=7 m=24
